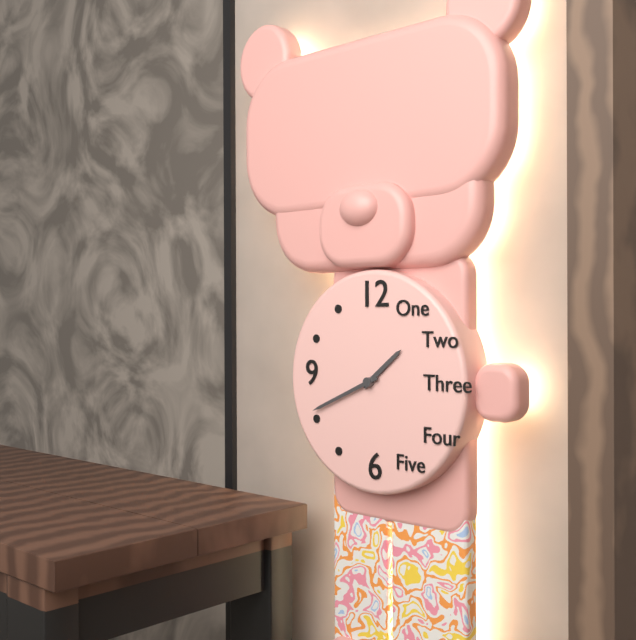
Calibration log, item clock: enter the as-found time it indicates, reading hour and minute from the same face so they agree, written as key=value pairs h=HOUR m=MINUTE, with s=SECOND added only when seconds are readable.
h=1 m=41
